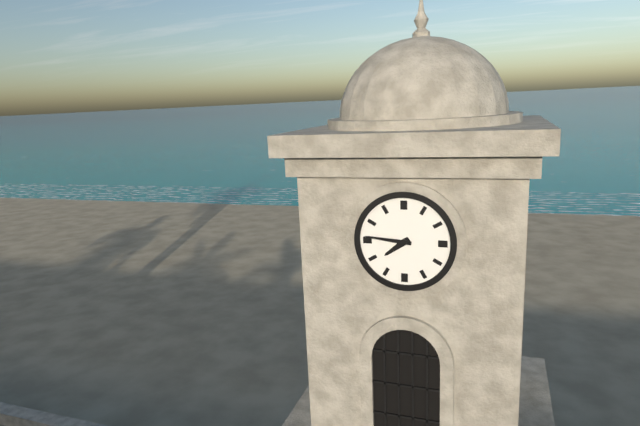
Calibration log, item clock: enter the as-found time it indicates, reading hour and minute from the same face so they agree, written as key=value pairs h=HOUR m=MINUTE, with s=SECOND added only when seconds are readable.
h=7 m=46
